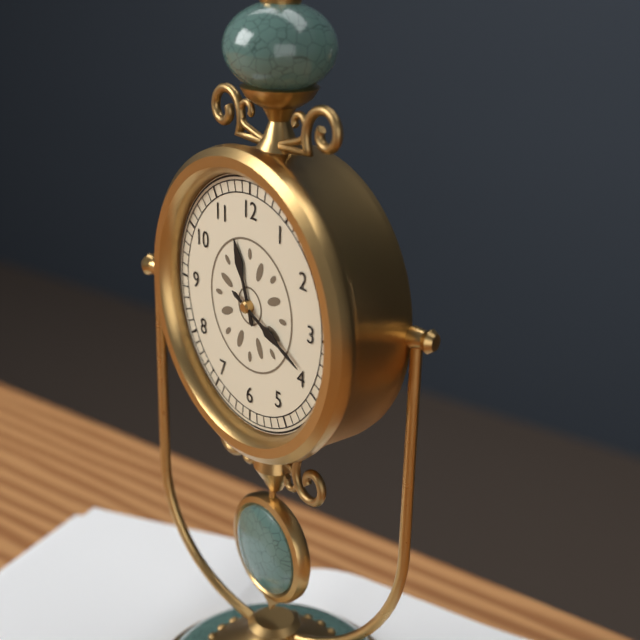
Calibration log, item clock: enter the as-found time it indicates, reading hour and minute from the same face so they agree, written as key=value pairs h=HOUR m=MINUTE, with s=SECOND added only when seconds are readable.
h=11 m=19
